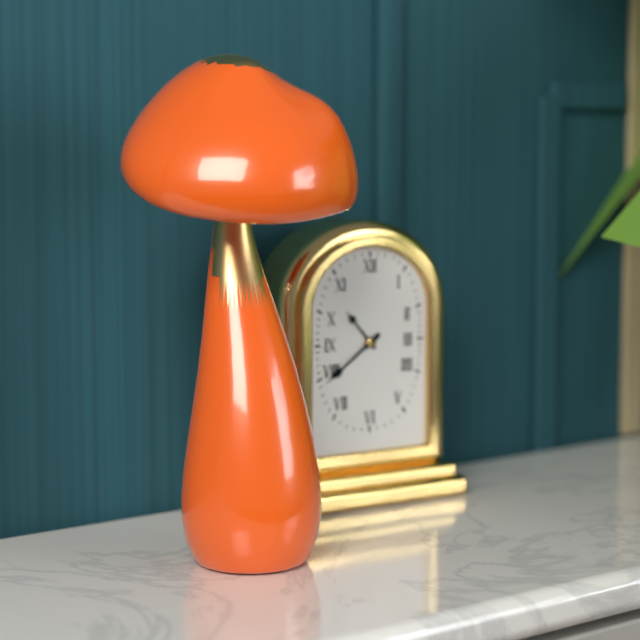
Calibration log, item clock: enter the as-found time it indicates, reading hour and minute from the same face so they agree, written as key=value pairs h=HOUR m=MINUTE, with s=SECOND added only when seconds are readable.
h=10 m=39
